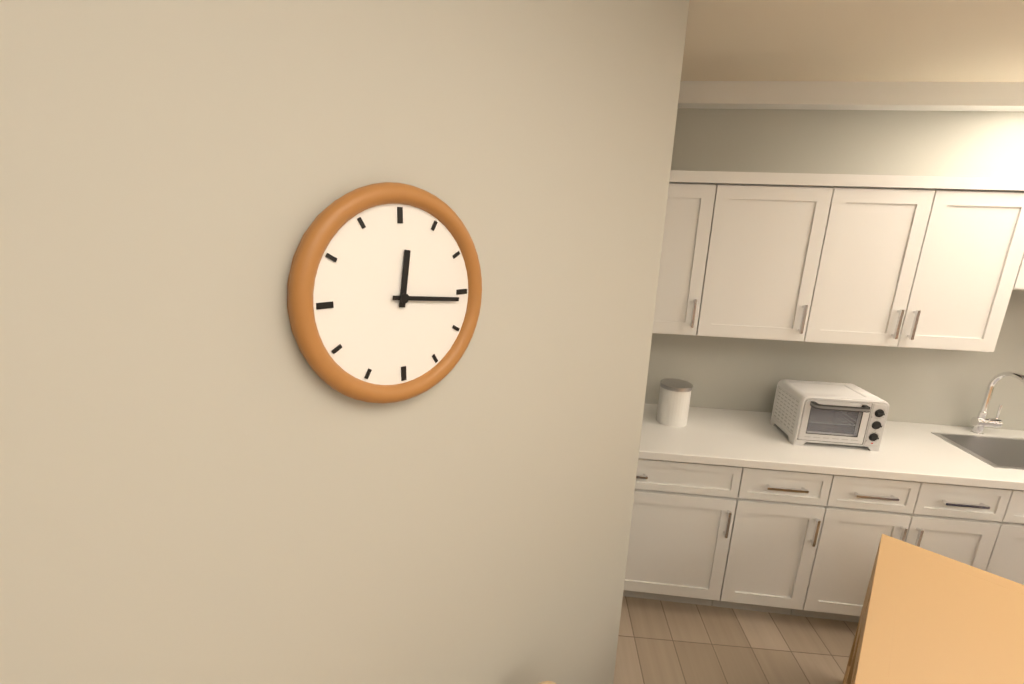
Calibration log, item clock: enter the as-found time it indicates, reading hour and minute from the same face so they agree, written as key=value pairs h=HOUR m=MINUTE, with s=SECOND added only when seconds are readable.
h=12 m=16
